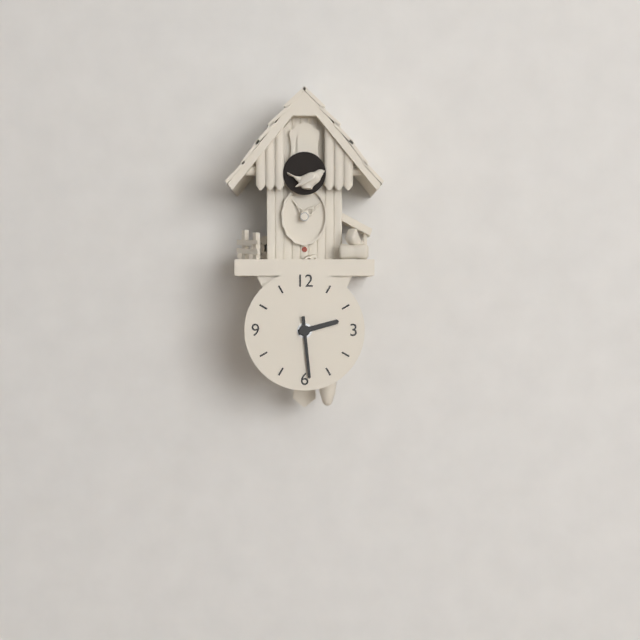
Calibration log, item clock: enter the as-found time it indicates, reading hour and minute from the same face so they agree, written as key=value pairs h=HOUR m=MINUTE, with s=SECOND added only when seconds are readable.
h=2 m=29
